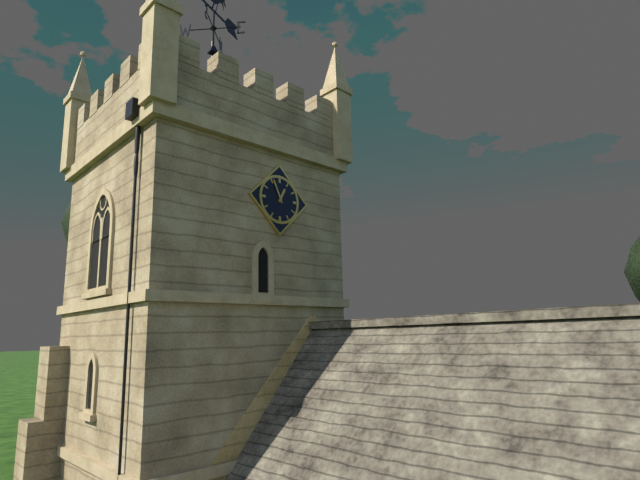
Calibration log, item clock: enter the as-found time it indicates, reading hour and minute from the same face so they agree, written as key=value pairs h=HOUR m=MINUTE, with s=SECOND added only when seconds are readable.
h=12 m=56
